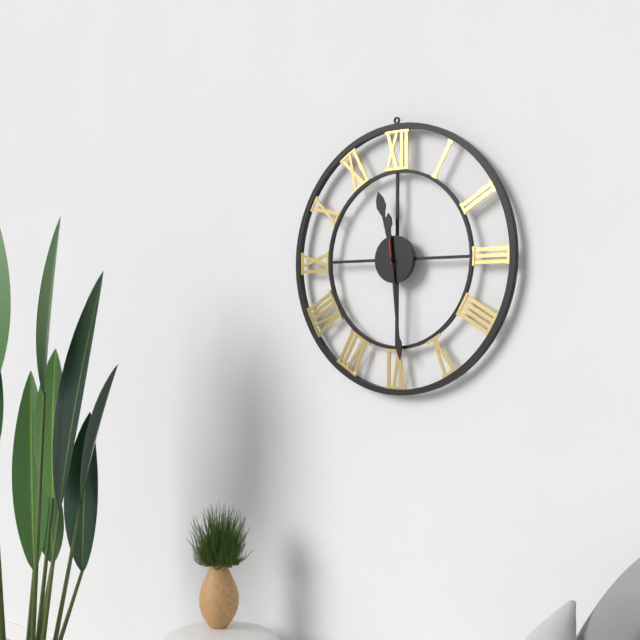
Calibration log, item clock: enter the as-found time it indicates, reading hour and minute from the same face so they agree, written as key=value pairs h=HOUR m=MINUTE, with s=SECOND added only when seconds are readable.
h=11 m=29
